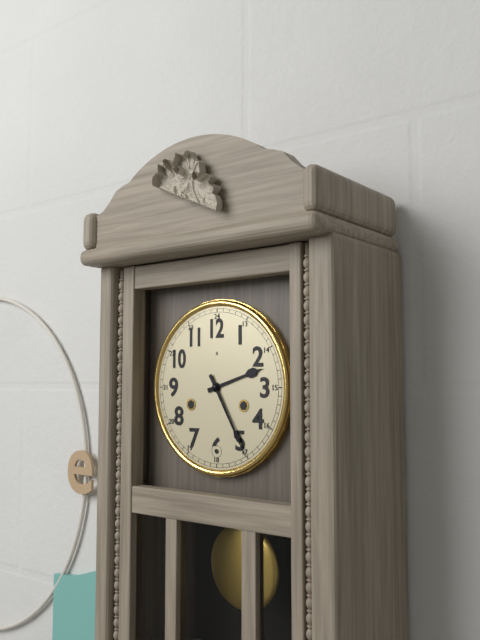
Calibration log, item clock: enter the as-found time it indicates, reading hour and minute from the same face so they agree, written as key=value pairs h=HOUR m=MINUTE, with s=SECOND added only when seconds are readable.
h=2 m=25
